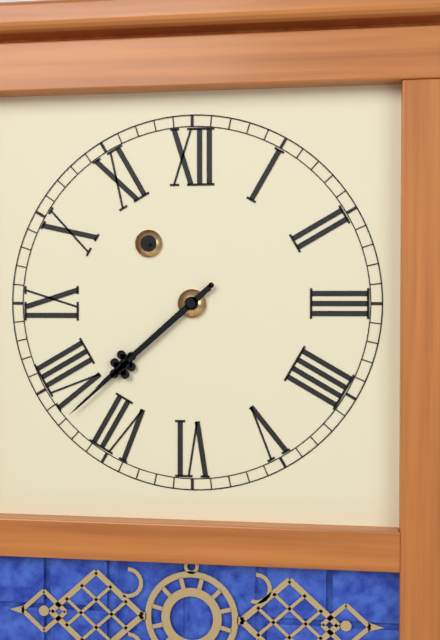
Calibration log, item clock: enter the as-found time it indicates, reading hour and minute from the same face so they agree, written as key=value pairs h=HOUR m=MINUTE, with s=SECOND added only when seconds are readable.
h=7 m=38
